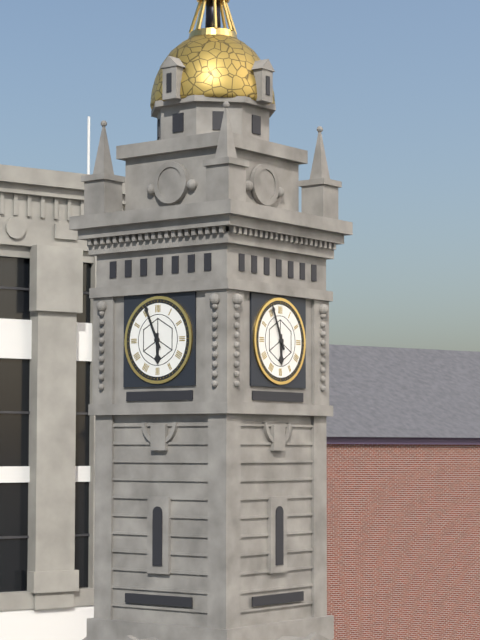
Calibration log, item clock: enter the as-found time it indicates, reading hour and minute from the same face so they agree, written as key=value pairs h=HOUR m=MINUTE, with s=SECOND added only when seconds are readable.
h=5 m=56
